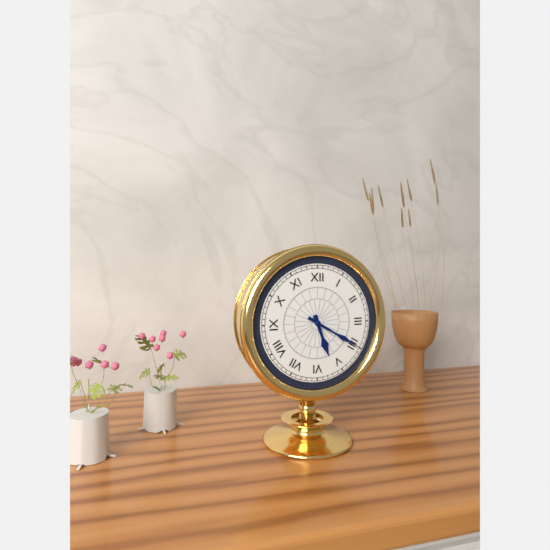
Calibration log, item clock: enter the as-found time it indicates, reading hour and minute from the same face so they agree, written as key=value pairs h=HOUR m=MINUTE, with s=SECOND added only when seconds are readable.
h=5 m=20
